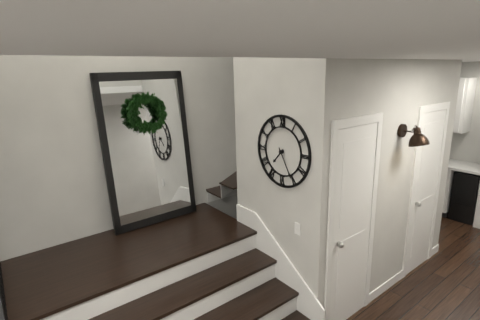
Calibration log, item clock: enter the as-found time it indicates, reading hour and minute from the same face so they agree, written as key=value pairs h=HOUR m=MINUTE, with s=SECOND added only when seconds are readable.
h=7 m=25
